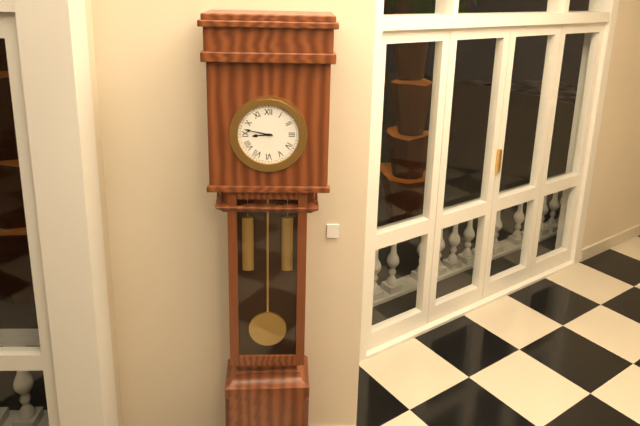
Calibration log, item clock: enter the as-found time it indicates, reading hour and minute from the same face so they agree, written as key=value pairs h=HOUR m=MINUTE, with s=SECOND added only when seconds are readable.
h=8 m=47
